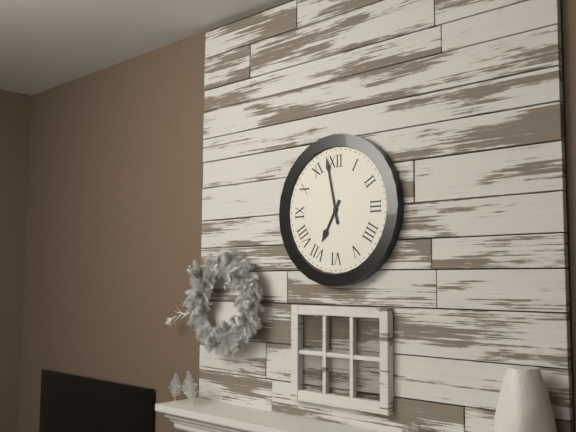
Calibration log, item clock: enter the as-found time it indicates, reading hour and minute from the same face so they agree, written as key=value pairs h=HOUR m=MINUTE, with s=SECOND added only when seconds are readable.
h=6 m=58
